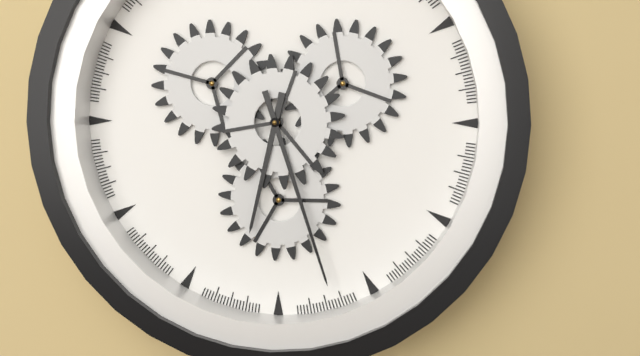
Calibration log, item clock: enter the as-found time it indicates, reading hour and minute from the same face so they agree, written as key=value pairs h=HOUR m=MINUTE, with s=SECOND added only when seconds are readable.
h=6 m=27
